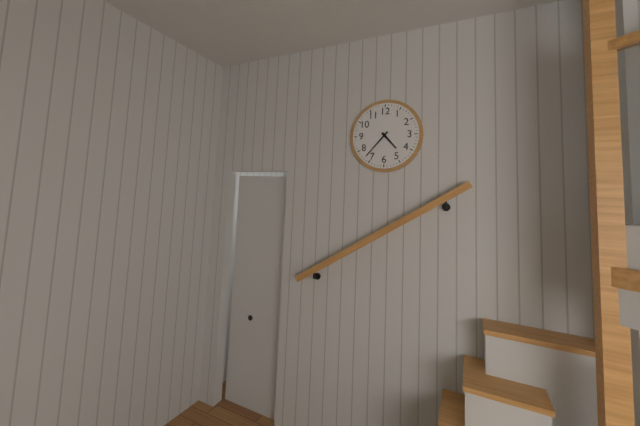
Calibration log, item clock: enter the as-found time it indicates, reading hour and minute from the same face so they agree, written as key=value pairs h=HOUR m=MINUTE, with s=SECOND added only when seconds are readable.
h=4 m=37
